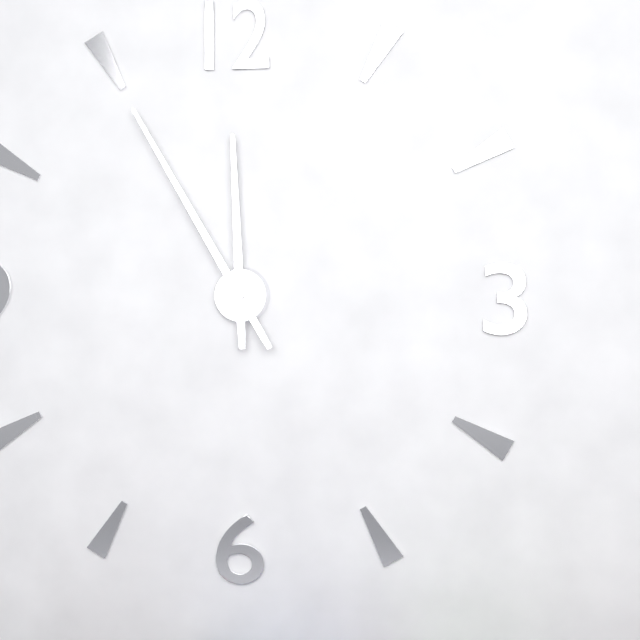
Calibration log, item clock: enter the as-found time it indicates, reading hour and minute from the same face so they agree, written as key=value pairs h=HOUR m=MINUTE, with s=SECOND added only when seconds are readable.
h=11 m=55
